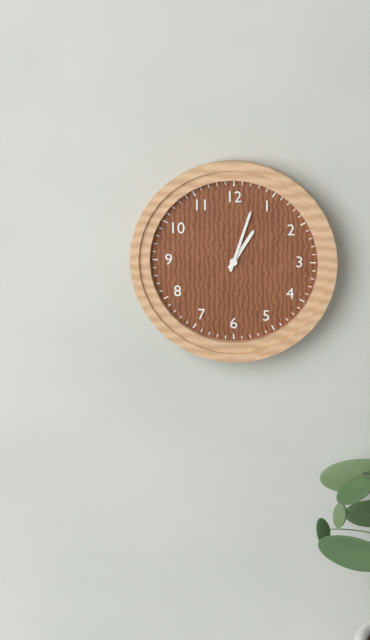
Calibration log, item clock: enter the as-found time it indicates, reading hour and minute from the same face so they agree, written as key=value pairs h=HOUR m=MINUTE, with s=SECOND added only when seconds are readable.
h=1 m=3
